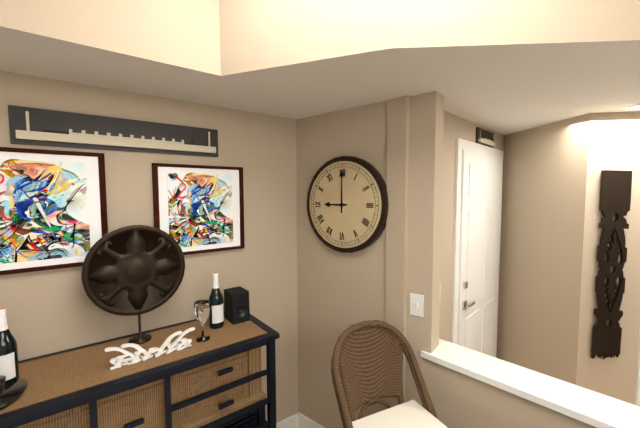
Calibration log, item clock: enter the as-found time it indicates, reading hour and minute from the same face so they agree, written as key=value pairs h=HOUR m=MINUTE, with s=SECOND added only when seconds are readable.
h=9 m=0
